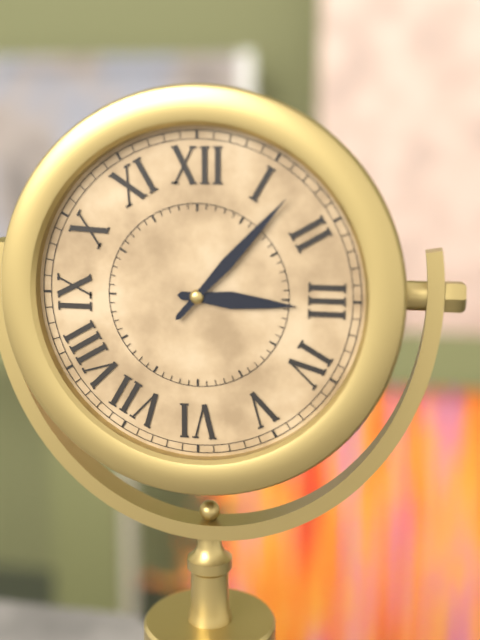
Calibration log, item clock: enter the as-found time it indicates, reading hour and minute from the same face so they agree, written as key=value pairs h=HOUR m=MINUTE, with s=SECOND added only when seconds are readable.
h=3 m=7
